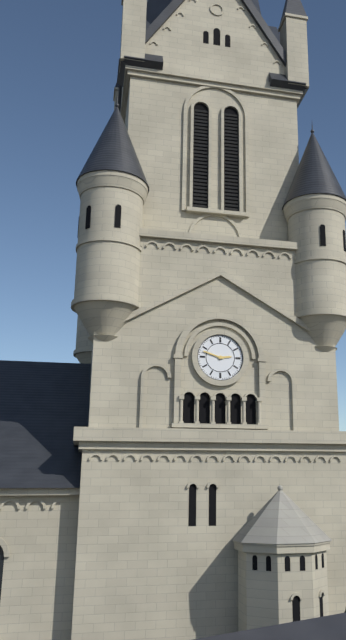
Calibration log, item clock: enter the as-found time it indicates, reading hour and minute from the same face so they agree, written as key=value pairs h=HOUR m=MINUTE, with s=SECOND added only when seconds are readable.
h=2 m=48
